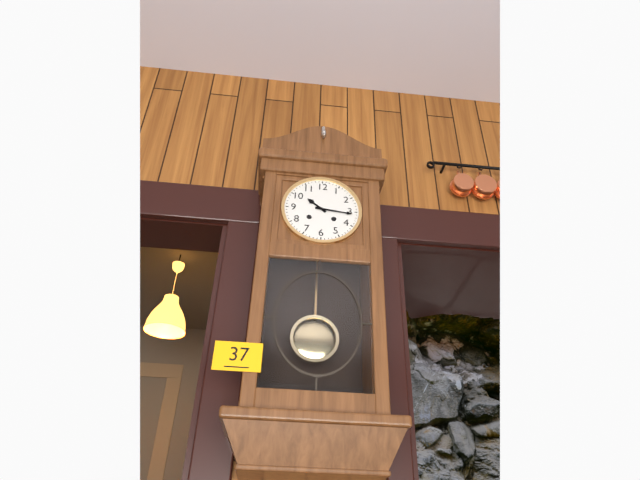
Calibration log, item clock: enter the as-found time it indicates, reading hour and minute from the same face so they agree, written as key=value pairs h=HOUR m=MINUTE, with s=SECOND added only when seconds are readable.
h=10 m=16
